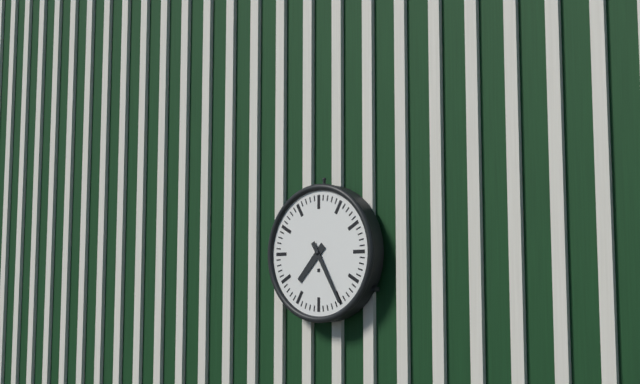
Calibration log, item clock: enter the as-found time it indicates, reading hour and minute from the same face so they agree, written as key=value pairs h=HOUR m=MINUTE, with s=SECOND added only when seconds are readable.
h=7 m=25
